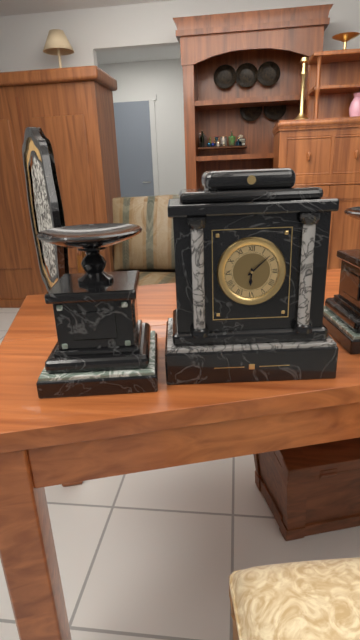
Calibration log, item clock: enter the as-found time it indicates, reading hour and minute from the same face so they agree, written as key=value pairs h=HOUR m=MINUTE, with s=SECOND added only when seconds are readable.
h=6 m=8
